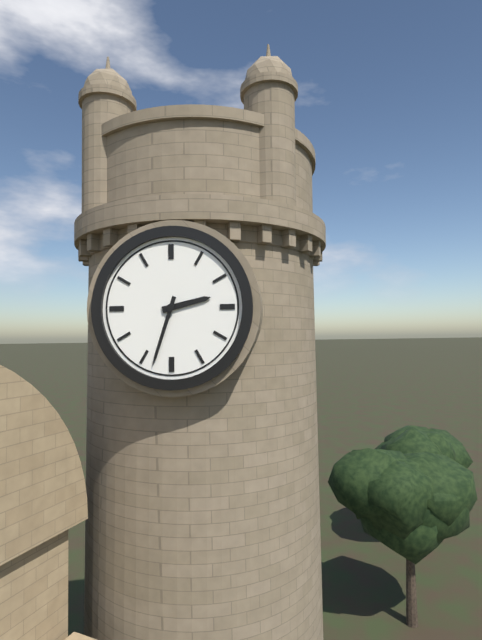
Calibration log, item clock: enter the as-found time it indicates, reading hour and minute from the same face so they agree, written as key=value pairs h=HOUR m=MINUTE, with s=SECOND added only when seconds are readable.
h=2 m=33
